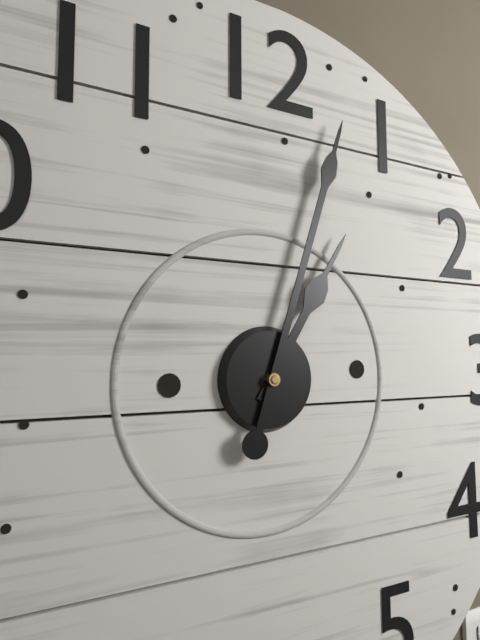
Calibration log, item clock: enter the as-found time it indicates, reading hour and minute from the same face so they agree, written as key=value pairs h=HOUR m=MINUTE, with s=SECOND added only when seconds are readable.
h=1 m=3
